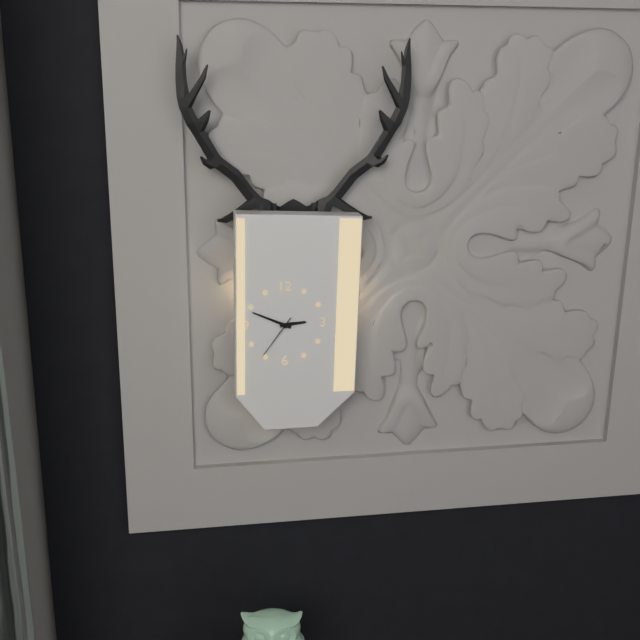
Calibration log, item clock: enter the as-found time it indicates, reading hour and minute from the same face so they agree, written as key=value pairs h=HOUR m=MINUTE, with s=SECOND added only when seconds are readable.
h=2 m=49
